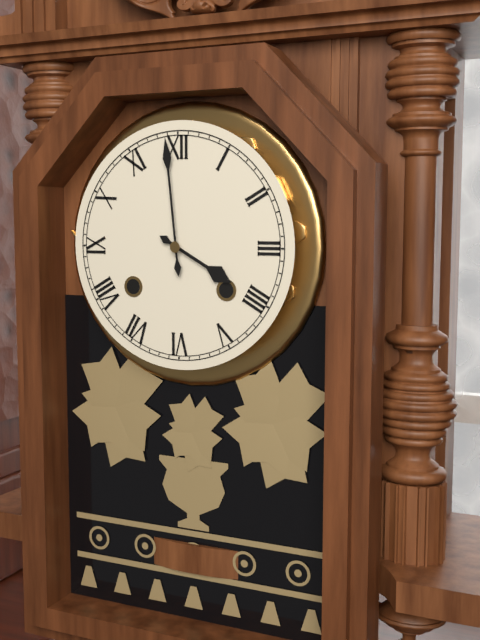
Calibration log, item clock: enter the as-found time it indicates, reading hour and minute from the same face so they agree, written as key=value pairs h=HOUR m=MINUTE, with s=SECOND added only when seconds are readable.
h=3 m=59
